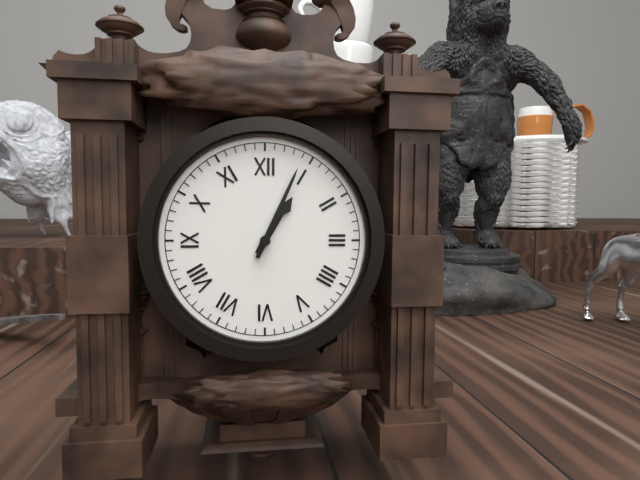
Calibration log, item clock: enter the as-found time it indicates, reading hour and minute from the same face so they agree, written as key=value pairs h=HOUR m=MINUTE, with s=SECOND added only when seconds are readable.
h=1 m=4
